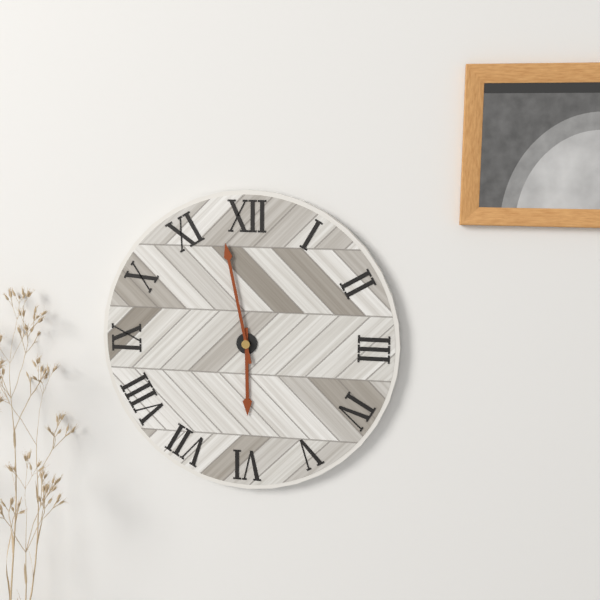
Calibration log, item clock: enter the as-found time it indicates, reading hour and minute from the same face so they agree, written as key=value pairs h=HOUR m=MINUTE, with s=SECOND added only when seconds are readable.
h=5 m=58
